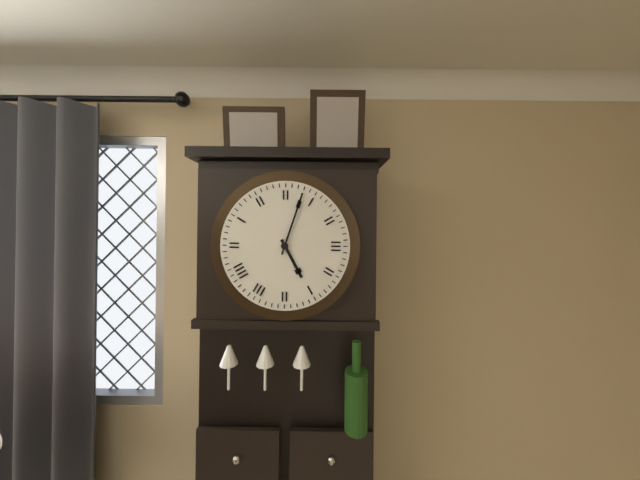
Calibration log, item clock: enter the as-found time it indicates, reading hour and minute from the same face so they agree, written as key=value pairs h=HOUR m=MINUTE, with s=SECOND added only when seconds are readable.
h=5 m=3
